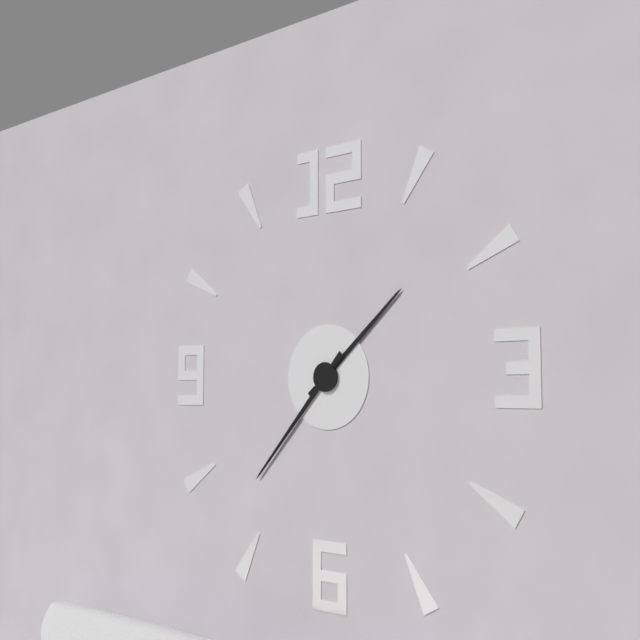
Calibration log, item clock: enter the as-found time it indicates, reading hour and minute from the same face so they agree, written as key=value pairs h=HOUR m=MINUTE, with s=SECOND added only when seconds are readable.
h=1 m=37
